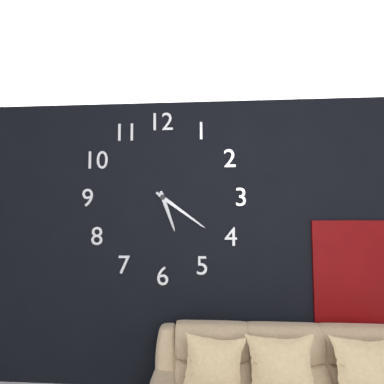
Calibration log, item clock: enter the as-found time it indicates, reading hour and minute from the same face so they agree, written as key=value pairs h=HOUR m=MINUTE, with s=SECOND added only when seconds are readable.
h=5 m=21
